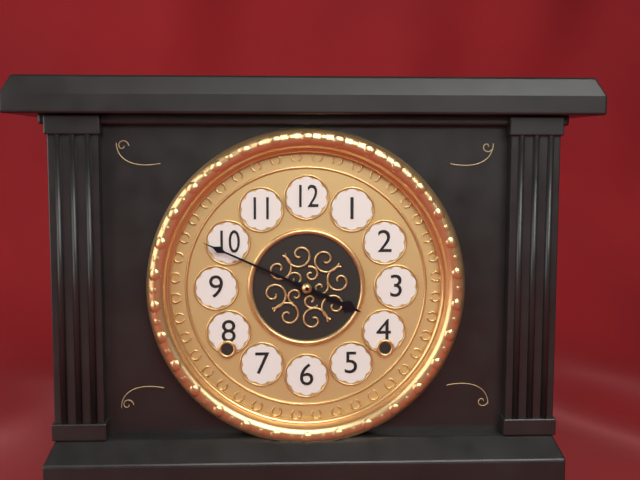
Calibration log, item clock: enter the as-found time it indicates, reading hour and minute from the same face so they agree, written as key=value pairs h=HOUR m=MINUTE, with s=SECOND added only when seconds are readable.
h=3 m=49
